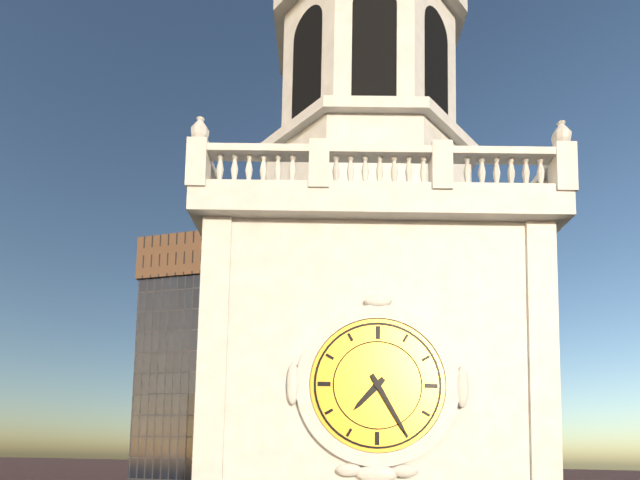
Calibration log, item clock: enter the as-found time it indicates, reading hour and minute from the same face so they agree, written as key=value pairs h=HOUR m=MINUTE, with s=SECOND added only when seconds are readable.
h=7 m=25
